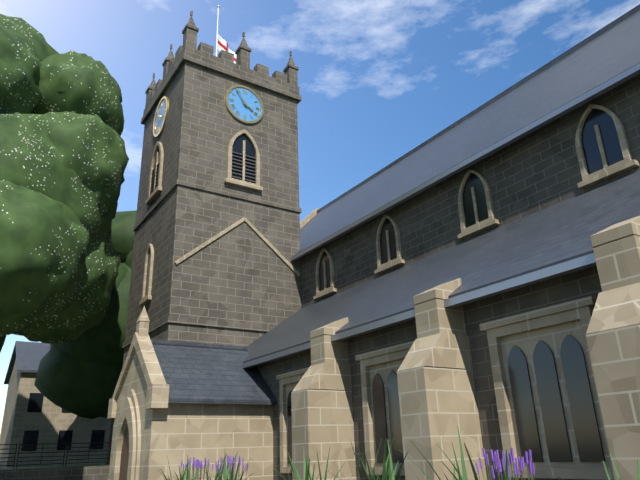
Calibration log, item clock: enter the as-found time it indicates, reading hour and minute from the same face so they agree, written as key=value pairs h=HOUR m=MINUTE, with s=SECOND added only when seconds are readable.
h=3 m=54
